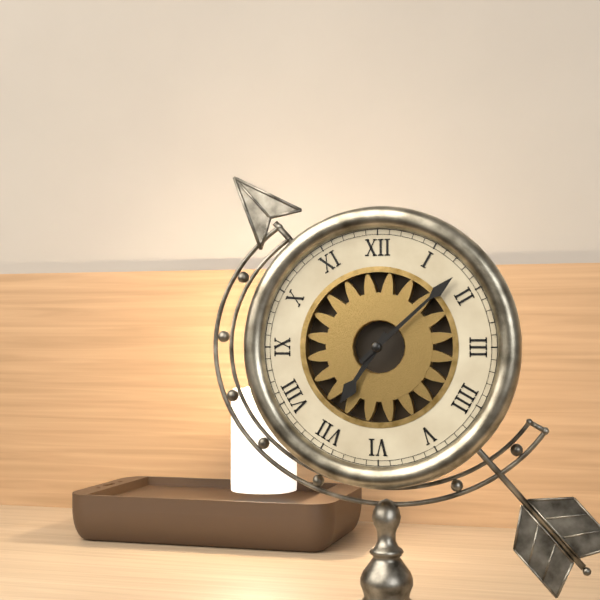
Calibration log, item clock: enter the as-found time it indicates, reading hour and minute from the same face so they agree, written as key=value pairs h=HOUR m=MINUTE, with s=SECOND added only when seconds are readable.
h=7 m=8
